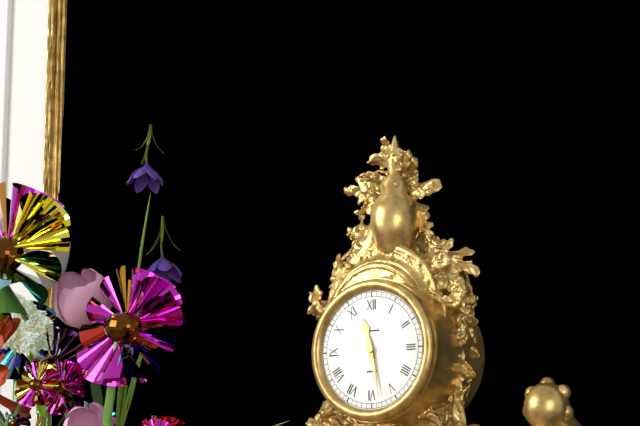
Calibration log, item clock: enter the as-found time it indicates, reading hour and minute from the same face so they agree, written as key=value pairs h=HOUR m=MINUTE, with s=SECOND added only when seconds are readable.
h=11 m=28
